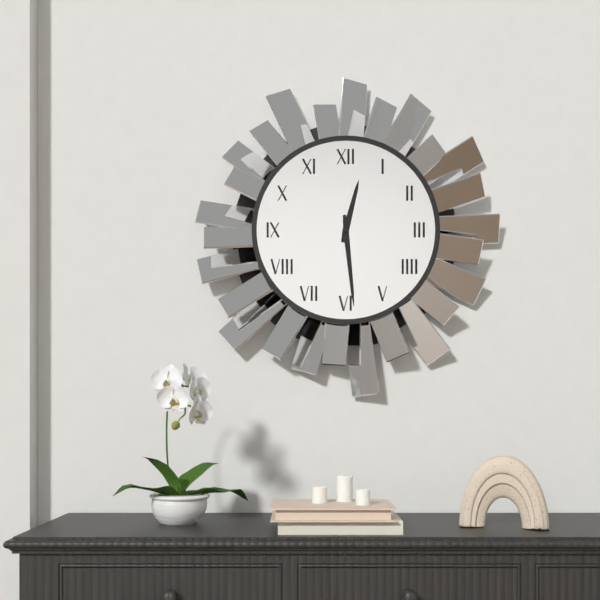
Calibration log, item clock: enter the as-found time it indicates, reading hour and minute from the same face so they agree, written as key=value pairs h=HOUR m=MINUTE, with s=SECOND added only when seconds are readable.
h=12 m=29
